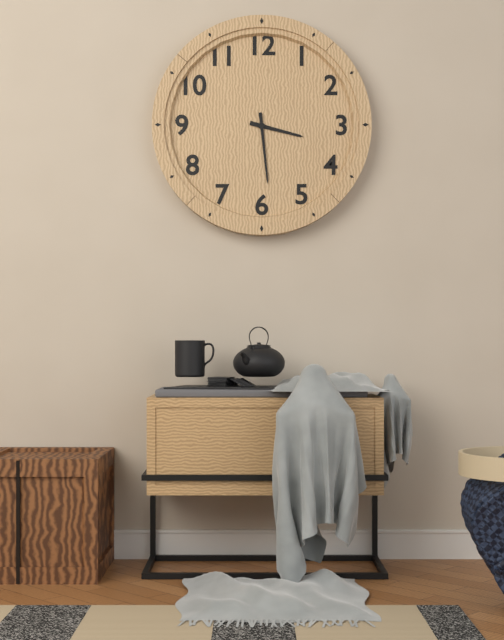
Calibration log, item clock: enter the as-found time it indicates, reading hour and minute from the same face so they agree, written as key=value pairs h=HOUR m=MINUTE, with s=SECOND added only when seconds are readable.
h=3 m=29
